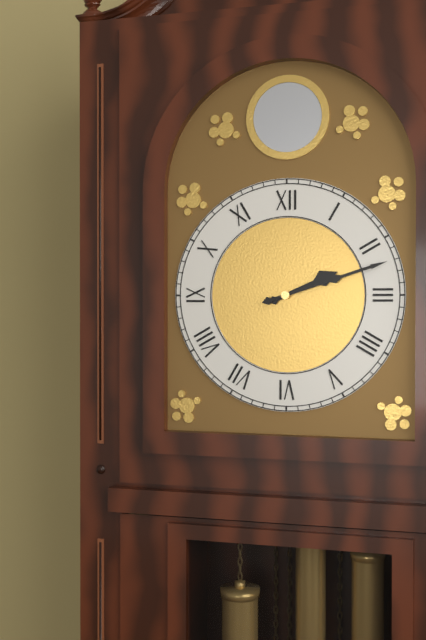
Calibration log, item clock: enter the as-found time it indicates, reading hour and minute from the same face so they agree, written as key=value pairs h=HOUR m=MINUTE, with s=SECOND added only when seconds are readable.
h=2 m=12
